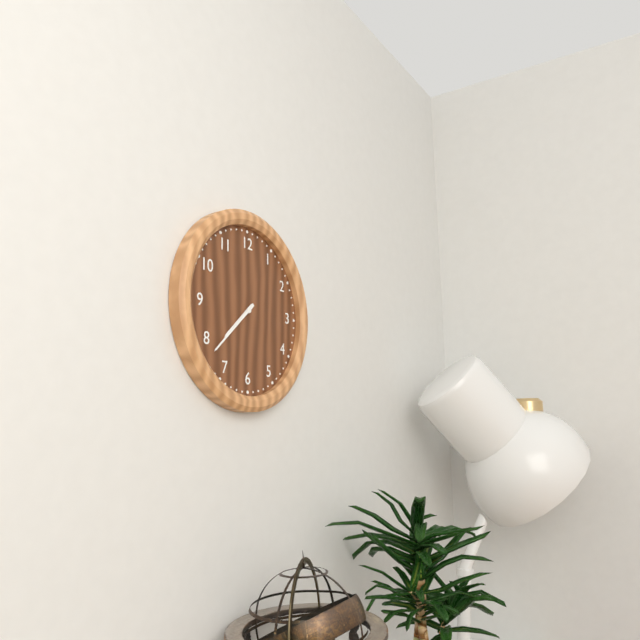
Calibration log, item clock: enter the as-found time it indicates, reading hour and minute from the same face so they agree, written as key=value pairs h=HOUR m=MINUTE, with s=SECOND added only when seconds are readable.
h=7 m=38
